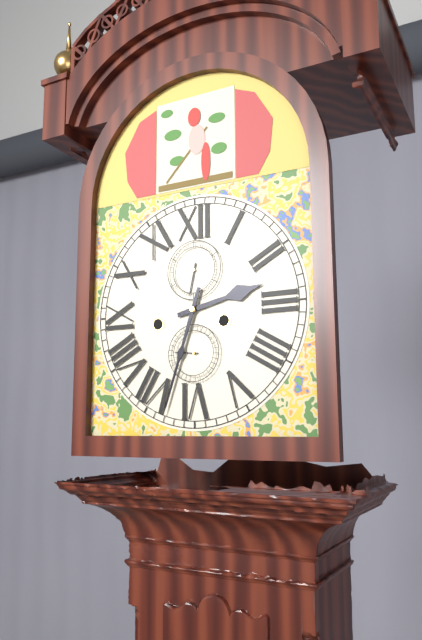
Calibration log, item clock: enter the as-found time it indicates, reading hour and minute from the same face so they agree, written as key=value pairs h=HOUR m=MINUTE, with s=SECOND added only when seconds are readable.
h=2 m=33
